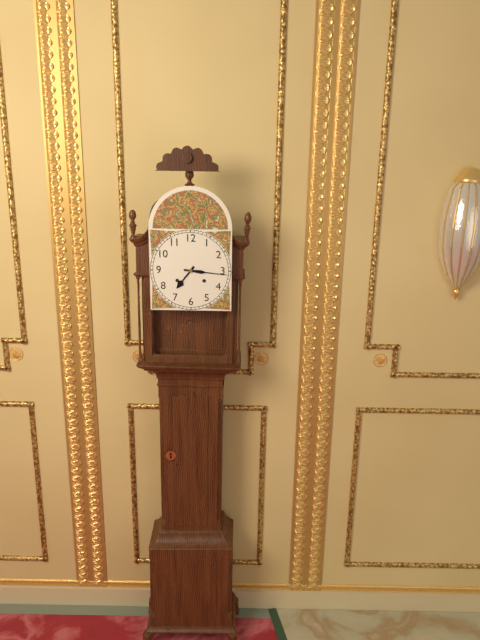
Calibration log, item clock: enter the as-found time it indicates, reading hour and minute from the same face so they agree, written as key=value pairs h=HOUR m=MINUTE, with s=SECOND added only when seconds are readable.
h=7 m=16
